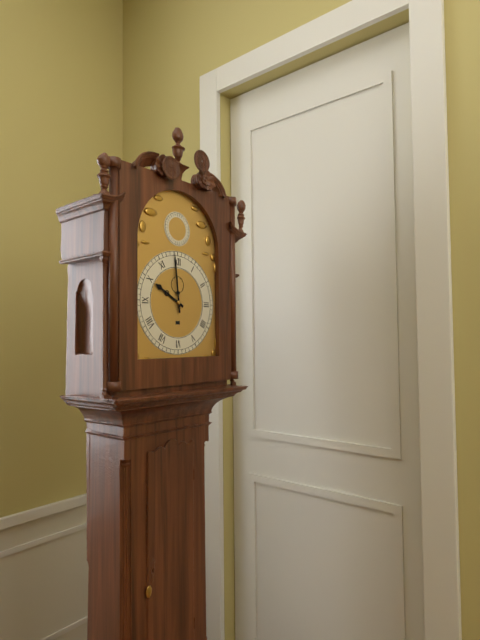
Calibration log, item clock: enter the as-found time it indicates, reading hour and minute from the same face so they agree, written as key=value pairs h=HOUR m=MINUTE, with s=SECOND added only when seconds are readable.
h=9 m=59
